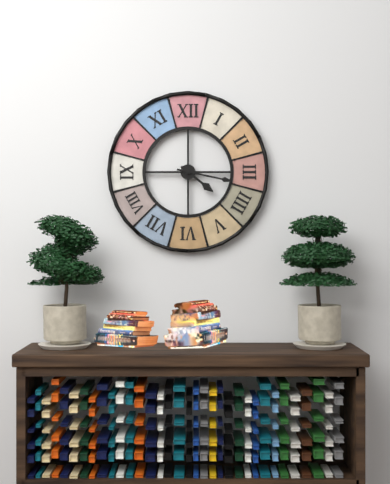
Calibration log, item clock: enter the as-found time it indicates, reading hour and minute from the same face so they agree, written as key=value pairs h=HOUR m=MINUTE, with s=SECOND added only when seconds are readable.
h=4 m=17
